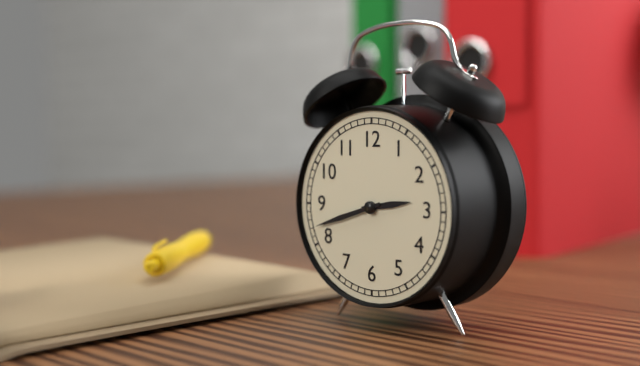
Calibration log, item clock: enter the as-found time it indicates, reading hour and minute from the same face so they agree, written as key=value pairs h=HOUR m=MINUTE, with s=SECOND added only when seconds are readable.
h=2 m=42
